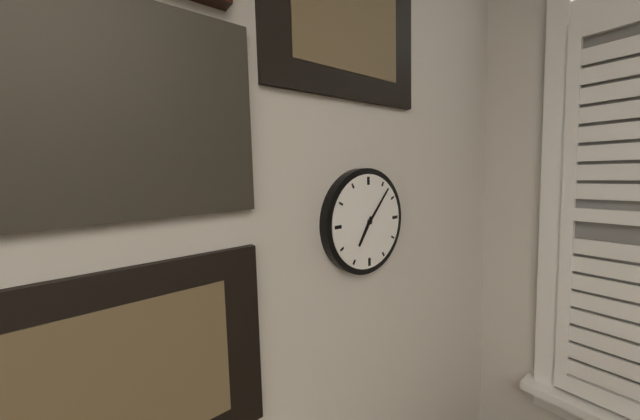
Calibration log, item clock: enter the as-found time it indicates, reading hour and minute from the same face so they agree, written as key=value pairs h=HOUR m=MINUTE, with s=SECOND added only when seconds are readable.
h=7 m=7
